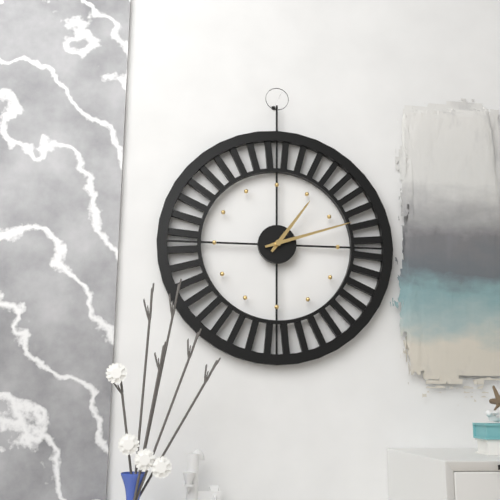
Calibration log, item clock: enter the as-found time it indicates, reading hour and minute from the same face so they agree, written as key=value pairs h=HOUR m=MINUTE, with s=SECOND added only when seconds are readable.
h=1 m=12
